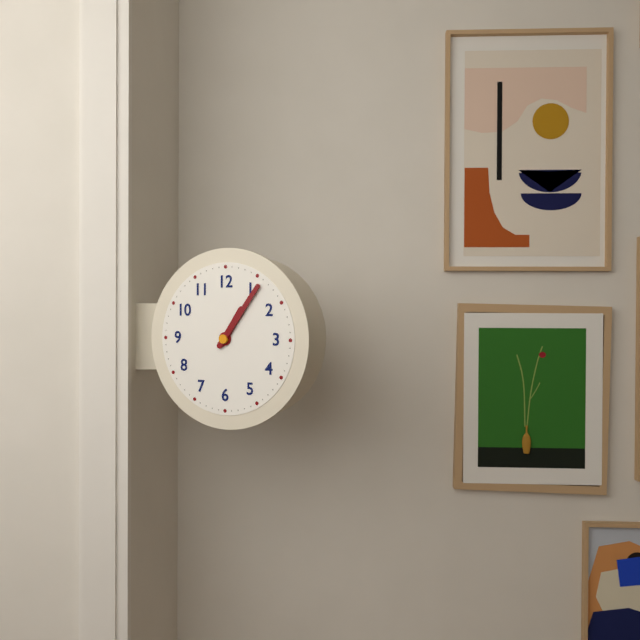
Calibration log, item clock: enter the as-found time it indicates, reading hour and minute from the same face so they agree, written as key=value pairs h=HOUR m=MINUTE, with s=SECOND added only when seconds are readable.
h=1 m=6
